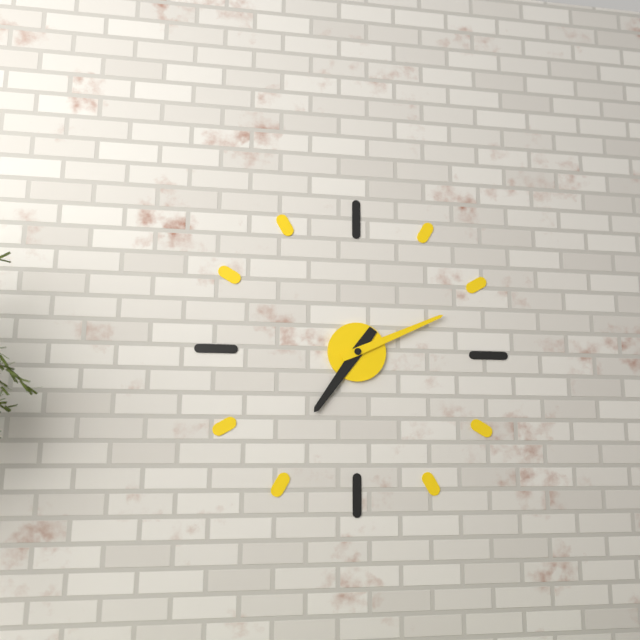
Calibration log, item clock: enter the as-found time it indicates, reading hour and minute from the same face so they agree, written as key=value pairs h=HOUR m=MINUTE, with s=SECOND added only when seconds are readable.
h=7 m=11
